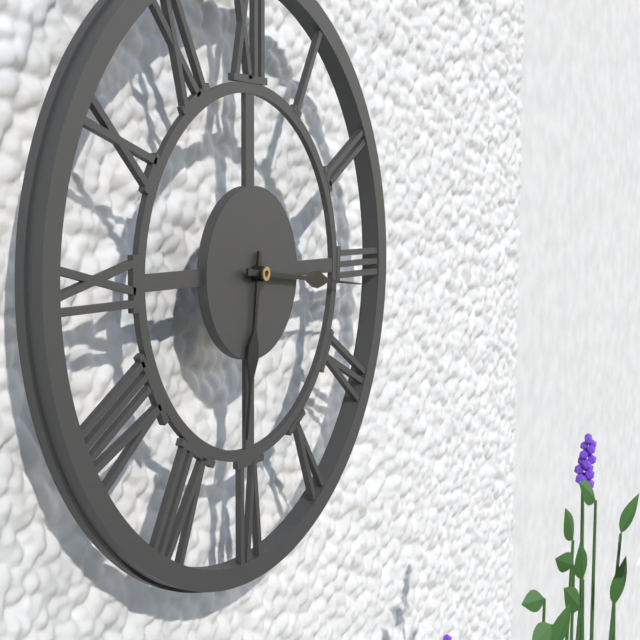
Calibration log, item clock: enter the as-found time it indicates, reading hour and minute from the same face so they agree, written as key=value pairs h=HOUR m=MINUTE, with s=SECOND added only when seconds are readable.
h=6 m=16
